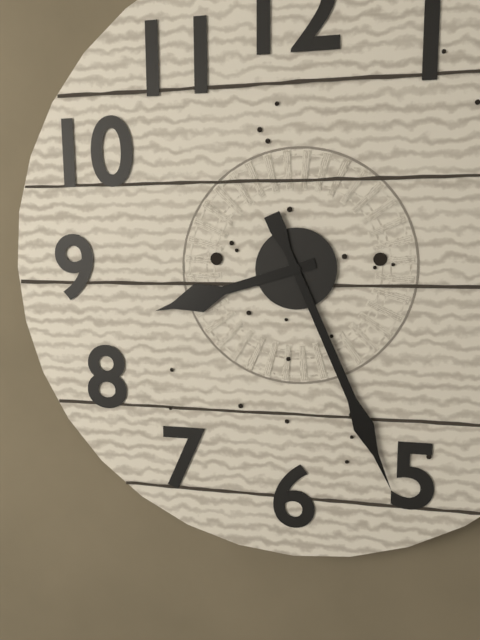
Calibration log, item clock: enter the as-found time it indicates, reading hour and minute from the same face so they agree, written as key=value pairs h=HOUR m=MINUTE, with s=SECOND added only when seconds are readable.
h=8 m=26
